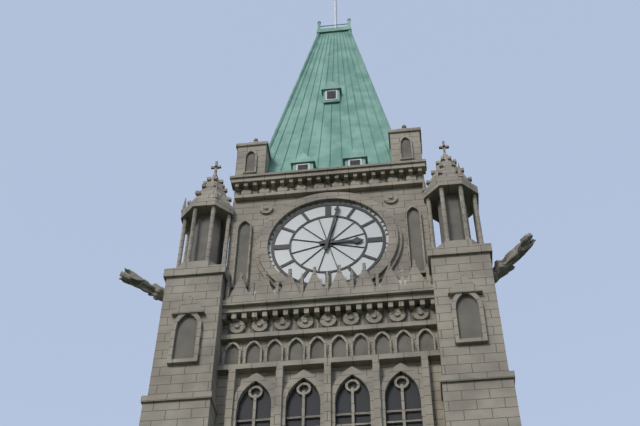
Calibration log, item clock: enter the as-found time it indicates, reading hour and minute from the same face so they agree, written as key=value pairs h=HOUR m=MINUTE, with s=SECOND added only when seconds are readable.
h=3 m=2
